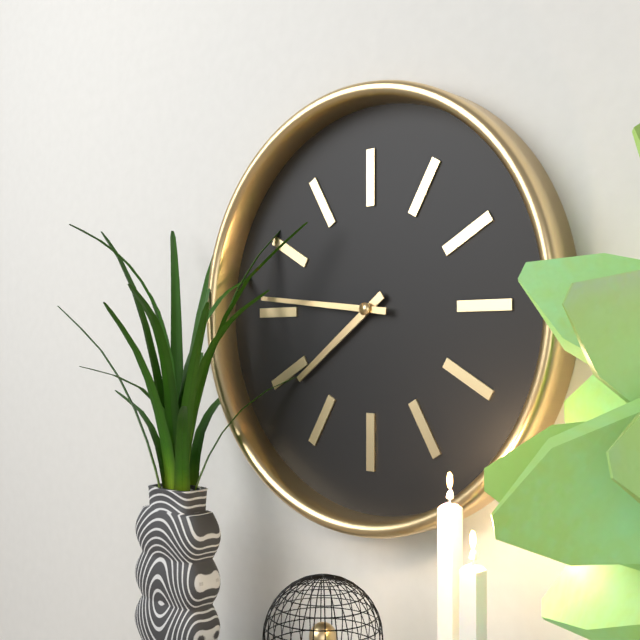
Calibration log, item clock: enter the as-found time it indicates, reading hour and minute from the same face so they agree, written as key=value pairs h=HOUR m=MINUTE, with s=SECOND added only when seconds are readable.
h=7 m=46
